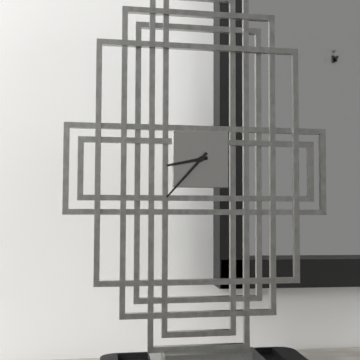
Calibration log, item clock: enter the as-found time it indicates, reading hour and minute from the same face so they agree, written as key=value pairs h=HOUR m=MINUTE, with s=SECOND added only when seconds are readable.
h=8 m=37
